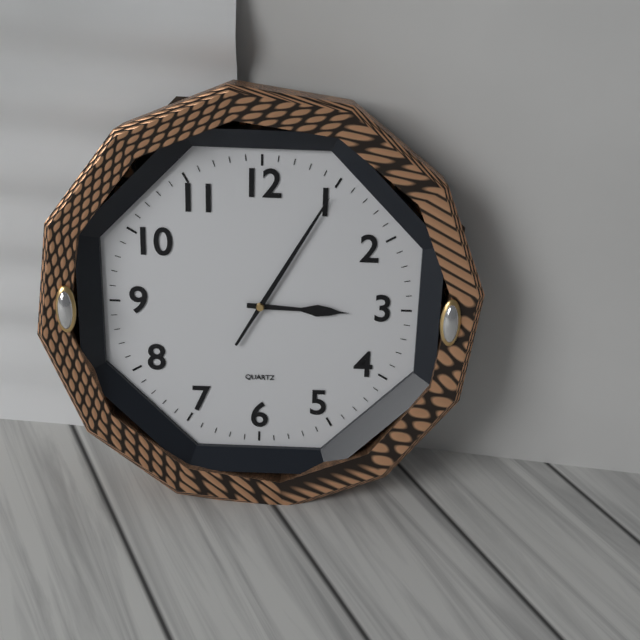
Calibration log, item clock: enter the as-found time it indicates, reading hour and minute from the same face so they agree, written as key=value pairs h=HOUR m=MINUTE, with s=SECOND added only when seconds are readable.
h=3 m=5
